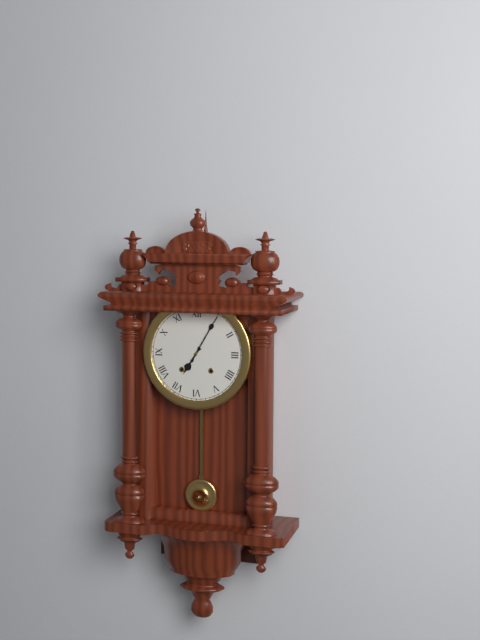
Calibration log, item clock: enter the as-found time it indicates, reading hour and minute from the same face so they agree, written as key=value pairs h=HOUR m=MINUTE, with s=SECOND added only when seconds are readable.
h=7 m=5
